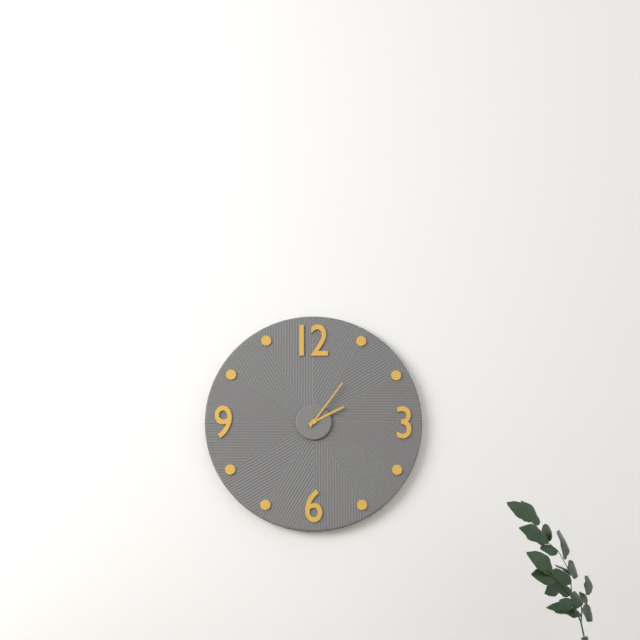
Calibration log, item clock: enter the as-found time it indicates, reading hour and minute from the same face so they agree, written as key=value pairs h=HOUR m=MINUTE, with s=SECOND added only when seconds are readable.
h=2 m=6
